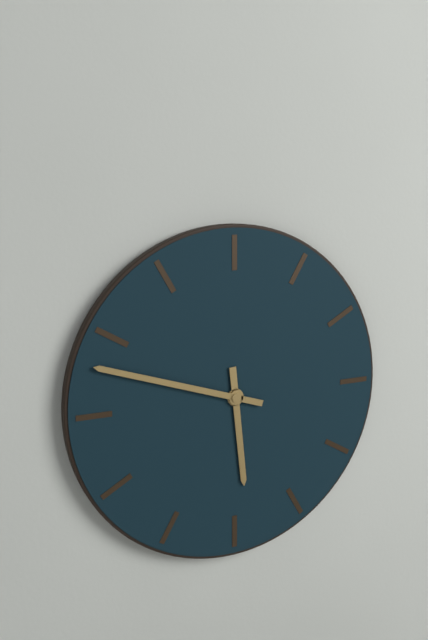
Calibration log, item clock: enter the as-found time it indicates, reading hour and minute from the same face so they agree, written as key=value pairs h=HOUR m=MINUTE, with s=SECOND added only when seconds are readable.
h=5 m=48
